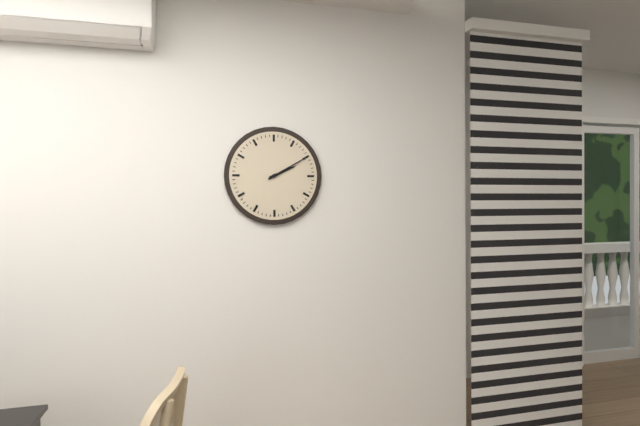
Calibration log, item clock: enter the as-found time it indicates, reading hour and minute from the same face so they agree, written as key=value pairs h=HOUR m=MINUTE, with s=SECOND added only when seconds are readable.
h=2 m=10
